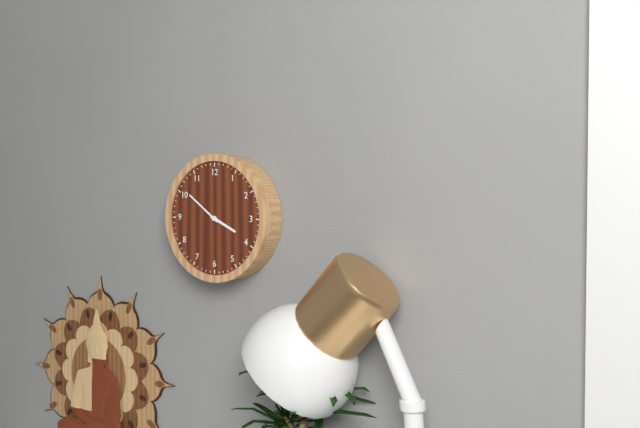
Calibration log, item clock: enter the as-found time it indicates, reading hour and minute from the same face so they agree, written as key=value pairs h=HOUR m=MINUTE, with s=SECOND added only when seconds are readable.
h=3 m=51
